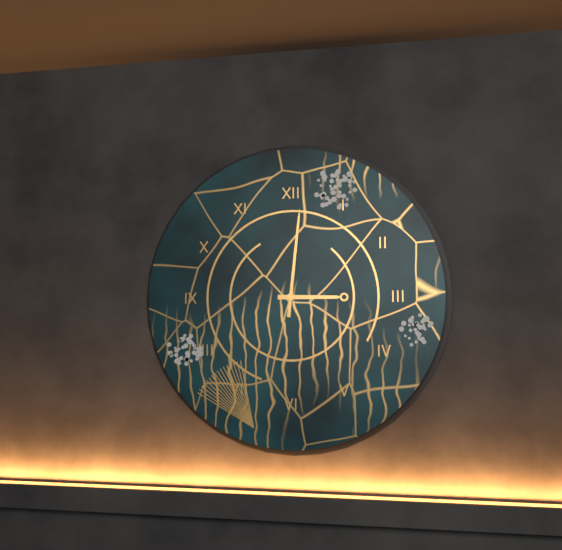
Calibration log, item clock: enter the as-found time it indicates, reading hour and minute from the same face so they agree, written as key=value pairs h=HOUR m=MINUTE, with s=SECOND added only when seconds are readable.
h=3 m=1
